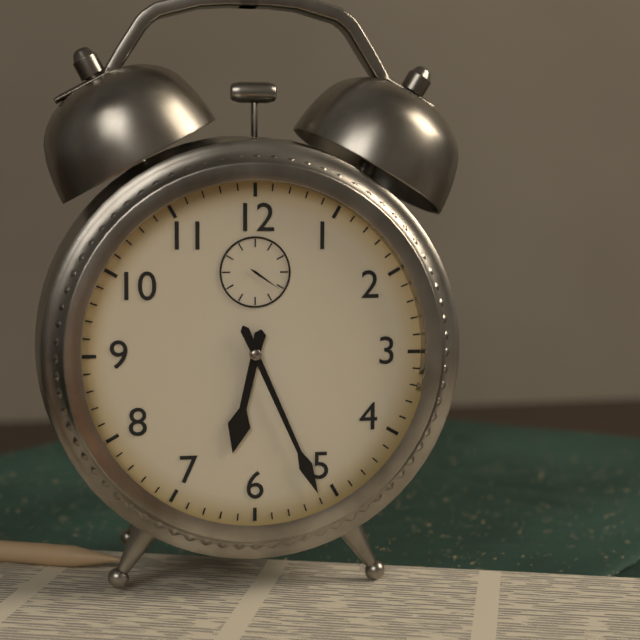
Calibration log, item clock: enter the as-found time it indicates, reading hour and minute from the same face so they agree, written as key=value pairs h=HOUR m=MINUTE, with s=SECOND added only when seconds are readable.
h=6 m=26
